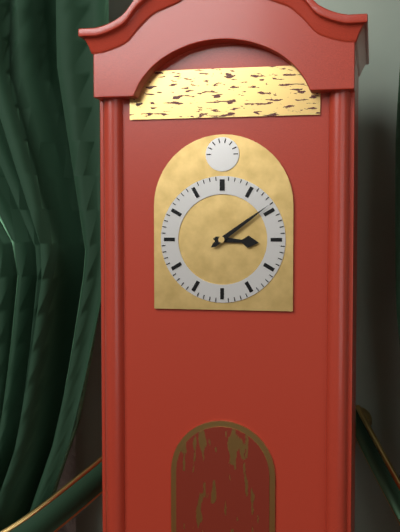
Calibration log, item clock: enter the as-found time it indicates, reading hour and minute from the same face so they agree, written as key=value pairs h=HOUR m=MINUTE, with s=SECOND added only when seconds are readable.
h=3 m=9
